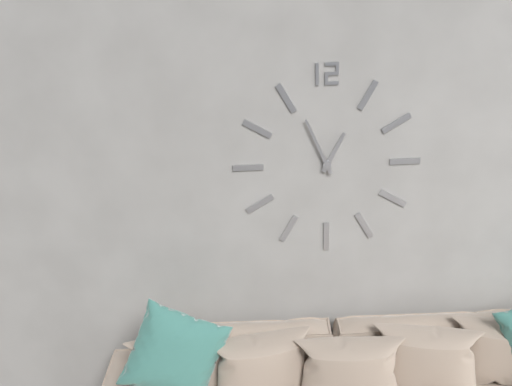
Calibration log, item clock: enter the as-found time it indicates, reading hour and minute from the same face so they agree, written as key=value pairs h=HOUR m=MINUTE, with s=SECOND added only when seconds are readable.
h=12 m=56
